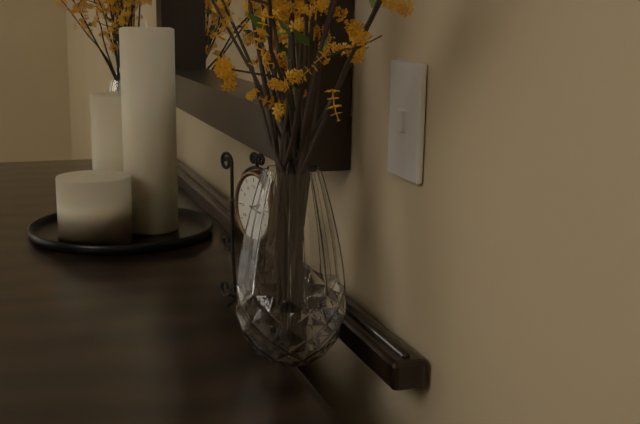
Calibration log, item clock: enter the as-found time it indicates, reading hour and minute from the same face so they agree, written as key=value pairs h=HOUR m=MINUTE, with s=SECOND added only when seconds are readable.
h=2 m=17
